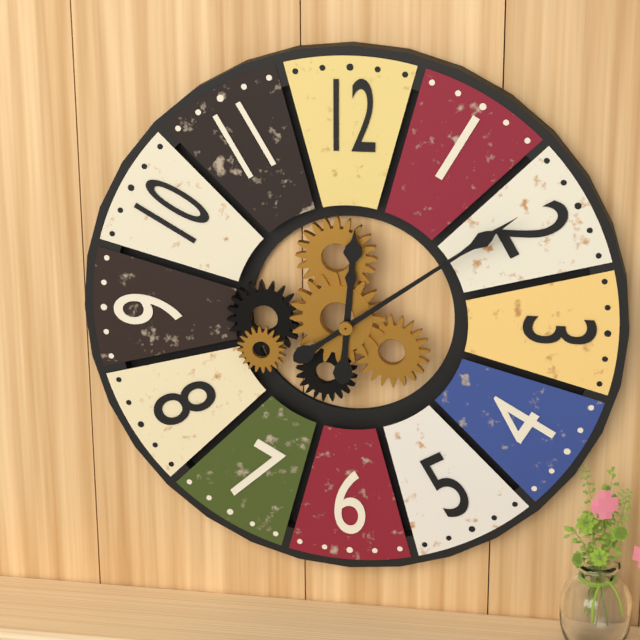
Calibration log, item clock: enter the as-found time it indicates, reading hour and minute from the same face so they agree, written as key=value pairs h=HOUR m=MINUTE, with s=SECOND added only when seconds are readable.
h=12 m=9
